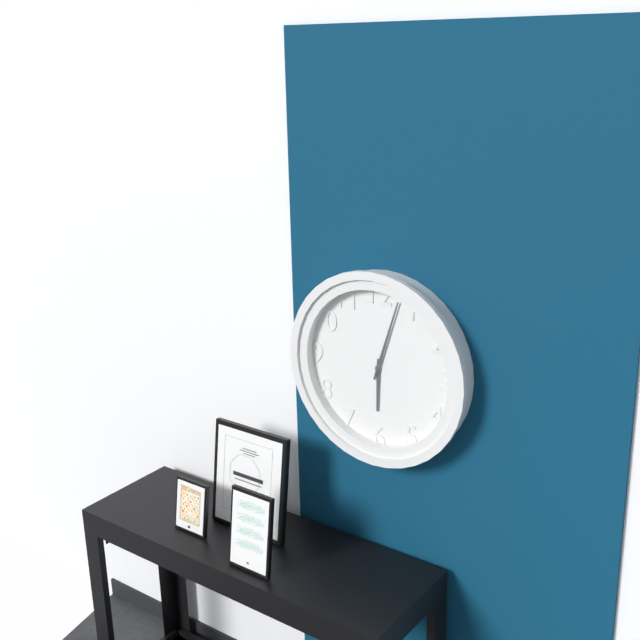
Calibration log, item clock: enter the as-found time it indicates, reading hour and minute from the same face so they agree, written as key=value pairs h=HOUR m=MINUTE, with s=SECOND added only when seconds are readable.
h=6 m=3
